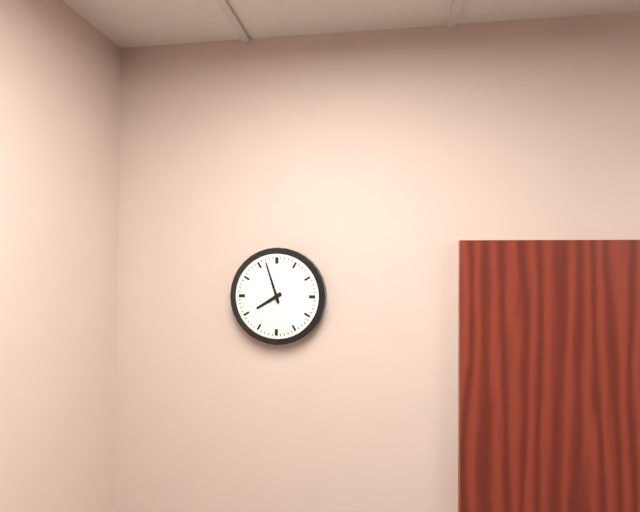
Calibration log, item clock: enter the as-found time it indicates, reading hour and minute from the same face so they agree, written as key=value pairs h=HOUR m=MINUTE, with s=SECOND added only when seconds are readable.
h=7 m=57
